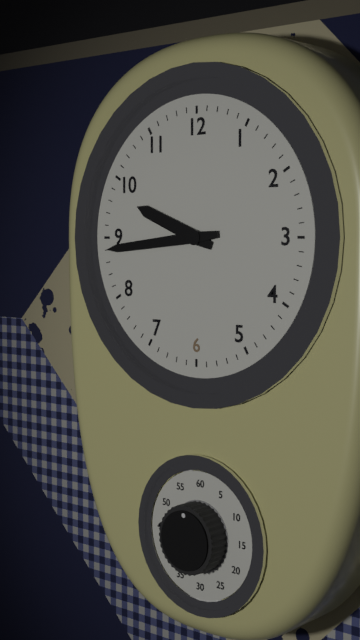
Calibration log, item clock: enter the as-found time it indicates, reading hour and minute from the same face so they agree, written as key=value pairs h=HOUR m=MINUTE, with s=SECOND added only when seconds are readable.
h=9 m=44
